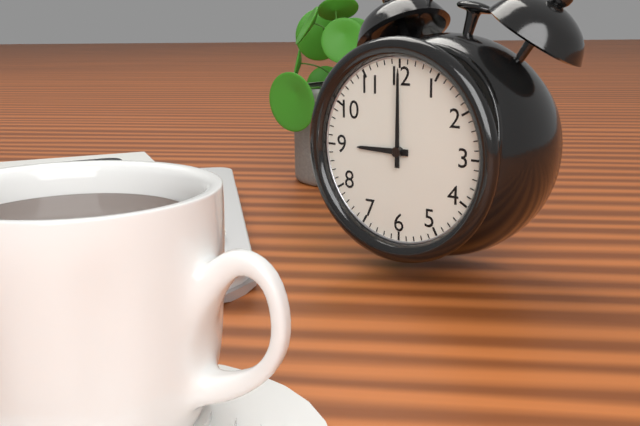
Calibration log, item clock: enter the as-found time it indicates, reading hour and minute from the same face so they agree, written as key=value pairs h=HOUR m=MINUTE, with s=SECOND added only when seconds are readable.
h=9 m=0
